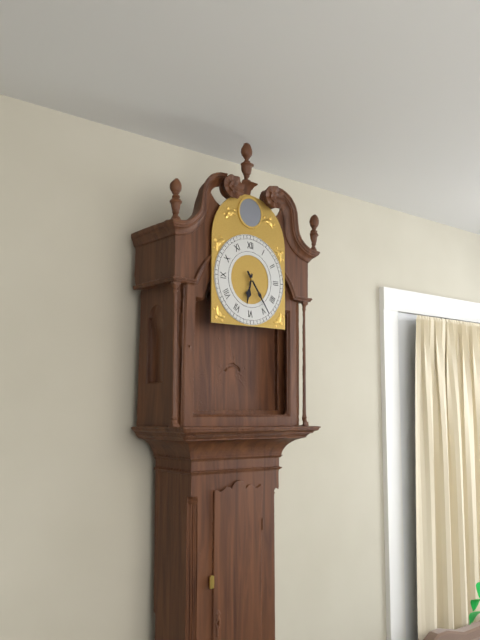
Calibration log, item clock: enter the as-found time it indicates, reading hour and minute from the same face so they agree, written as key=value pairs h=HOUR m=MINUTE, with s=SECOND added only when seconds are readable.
h=6 m=24
